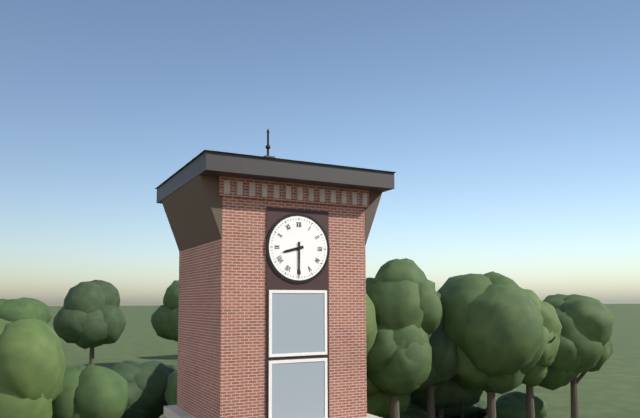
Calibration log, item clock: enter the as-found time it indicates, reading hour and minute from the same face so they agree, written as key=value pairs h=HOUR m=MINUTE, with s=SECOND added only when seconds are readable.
h=8 m=30
